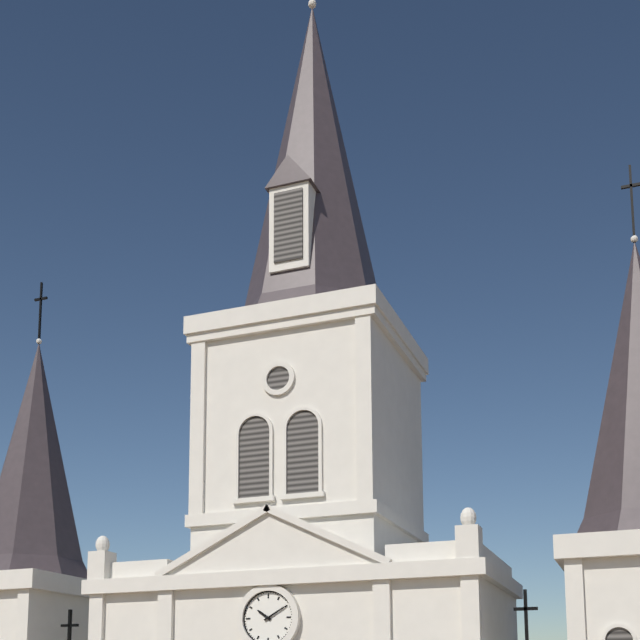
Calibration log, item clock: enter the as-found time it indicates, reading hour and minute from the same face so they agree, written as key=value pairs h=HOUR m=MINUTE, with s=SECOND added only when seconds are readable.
h=10 m=10
